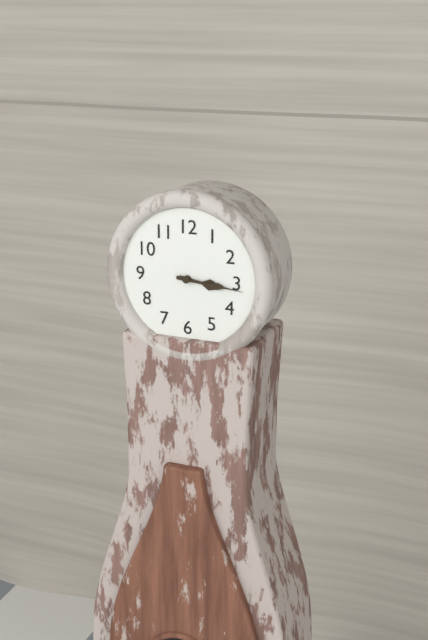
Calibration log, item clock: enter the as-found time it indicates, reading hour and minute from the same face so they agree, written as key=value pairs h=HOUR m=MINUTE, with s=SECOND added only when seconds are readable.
h=3 m=16
